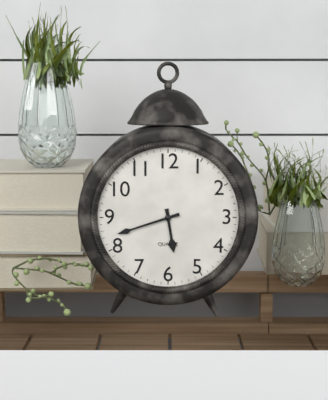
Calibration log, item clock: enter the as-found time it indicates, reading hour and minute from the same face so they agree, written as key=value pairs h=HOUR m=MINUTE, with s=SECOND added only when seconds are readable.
h=5 m=42
